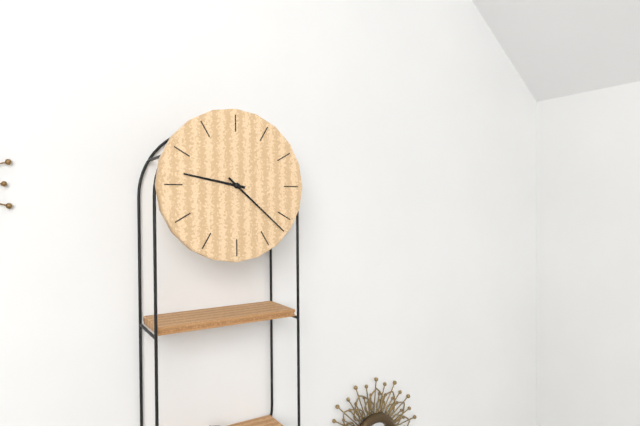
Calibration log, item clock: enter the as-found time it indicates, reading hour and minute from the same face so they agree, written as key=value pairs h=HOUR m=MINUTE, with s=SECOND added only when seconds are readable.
h=9 m=22
